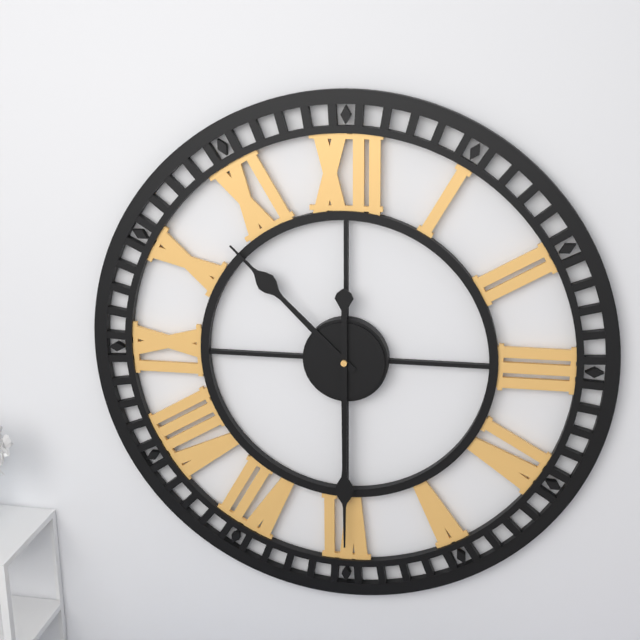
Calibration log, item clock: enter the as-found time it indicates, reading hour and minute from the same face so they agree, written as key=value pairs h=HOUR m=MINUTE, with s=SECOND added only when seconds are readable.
h=10 m=30
